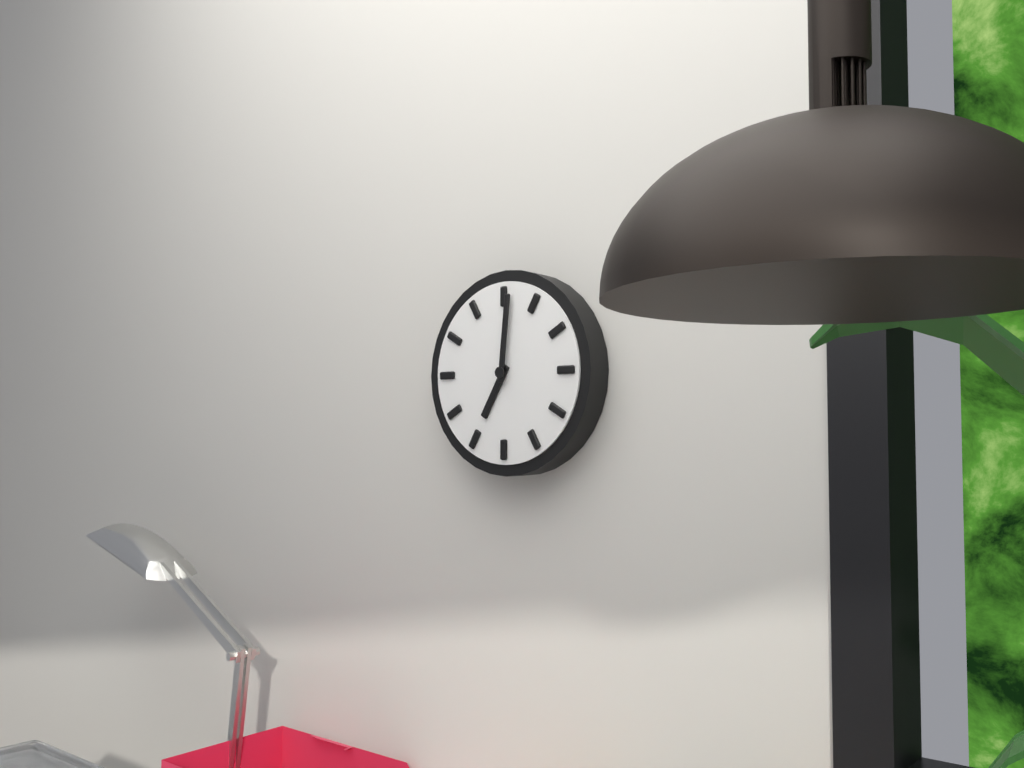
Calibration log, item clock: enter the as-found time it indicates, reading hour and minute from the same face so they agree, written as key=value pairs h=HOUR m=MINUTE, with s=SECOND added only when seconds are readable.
h=7 m=1
